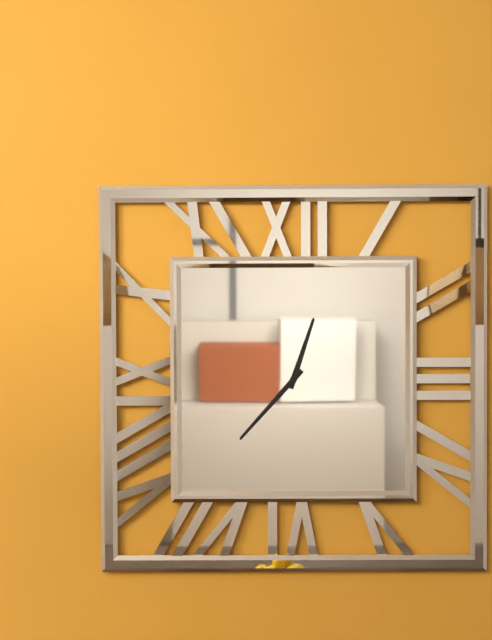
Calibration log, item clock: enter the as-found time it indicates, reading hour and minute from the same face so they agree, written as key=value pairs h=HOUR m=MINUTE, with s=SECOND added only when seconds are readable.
h=12 m=37
